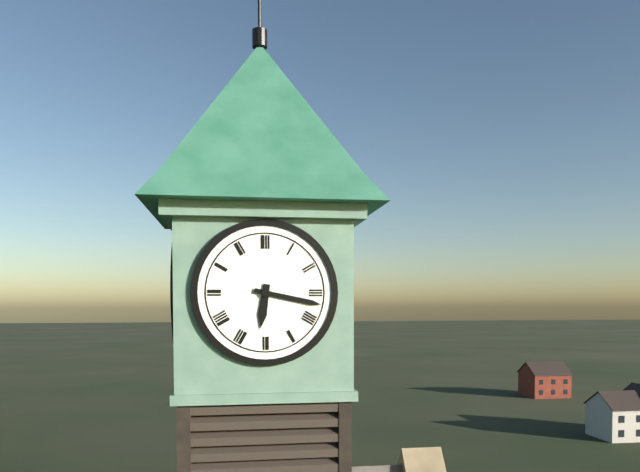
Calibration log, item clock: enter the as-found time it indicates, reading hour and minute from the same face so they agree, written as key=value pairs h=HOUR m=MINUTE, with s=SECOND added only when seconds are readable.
h=6 m=17
